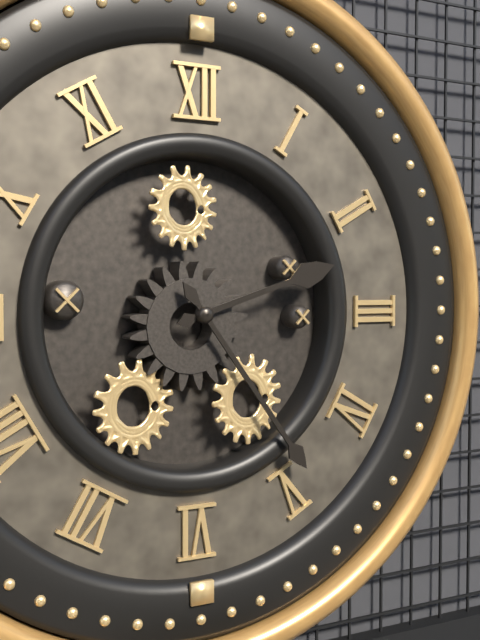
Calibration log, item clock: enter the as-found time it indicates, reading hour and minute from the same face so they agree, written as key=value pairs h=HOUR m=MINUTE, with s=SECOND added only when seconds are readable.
h=2 m=24
